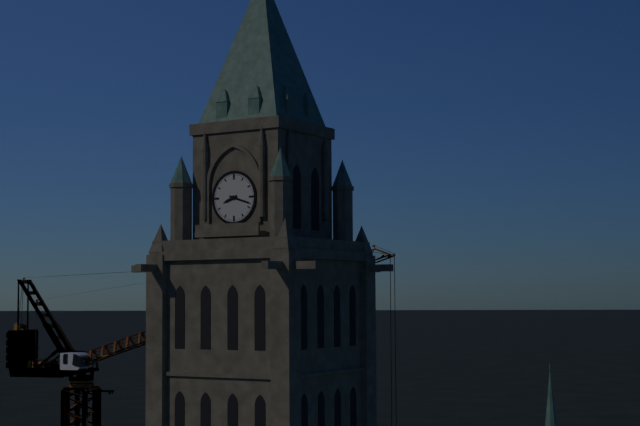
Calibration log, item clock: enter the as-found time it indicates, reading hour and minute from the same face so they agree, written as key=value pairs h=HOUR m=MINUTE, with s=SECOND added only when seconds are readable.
h=8 m=18
